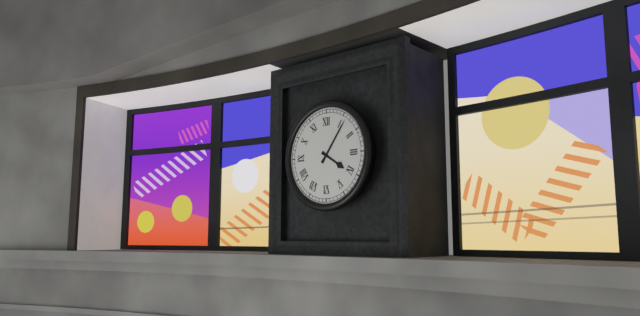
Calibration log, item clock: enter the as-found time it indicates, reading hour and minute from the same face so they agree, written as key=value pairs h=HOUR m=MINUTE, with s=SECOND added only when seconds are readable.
h=4 m=6
